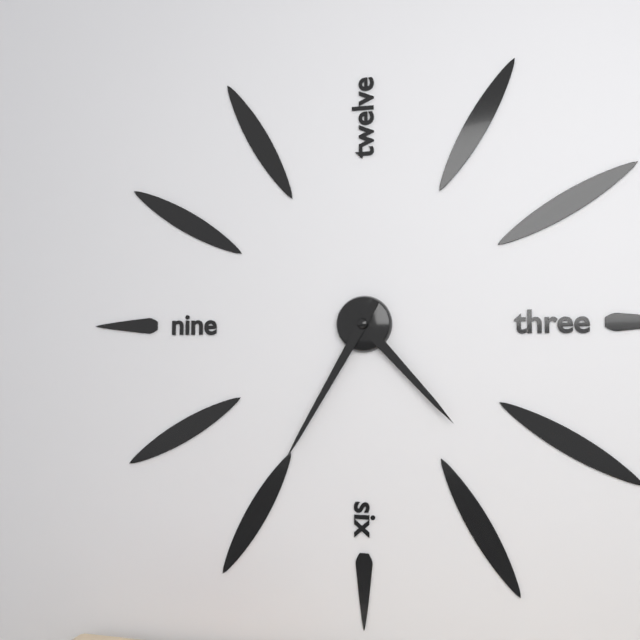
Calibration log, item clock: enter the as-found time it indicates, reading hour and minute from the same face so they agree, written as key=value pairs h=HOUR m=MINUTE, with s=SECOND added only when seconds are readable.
h=4 m=35
